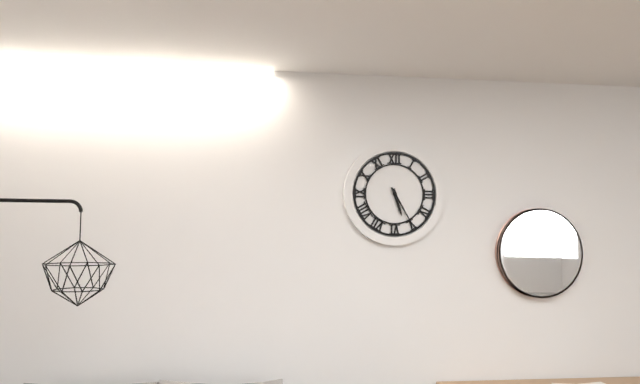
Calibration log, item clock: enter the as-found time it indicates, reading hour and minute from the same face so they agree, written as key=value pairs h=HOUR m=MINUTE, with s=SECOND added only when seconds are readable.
h=5 m=25
